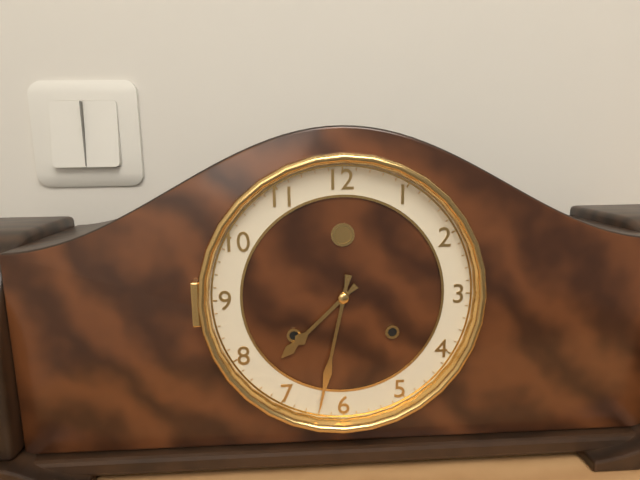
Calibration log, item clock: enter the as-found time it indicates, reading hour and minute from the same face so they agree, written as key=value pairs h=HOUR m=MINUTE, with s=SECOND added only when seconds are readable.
h=7 m=32
